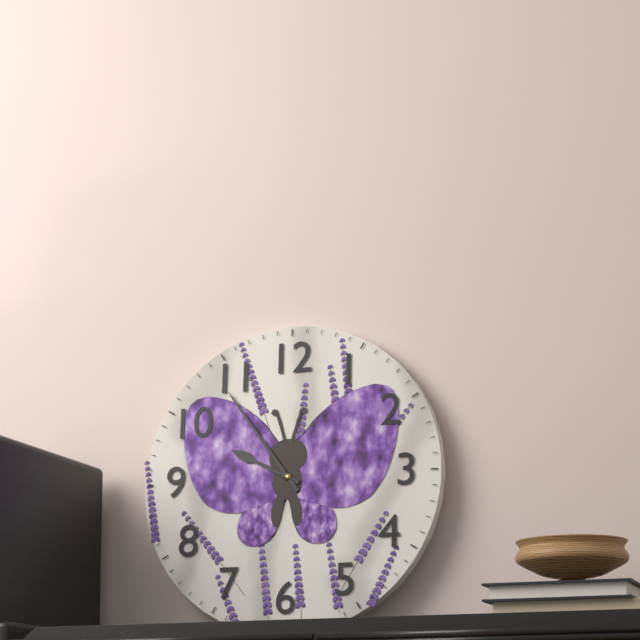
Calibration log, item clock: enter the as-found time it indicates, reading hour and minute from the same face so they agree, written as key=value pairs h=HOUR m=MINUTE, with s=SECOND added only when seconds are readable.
h=9 m=54
